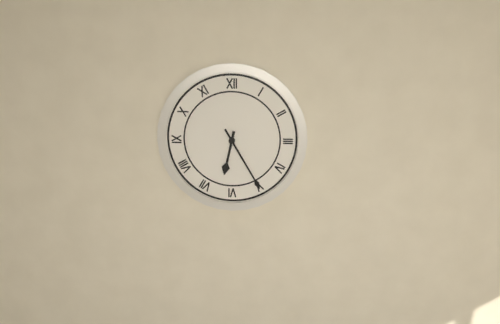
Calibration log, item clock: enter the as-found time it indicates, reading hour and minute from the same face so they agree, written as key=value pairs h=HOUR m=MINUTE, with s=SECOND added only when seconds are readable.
h=6 m=25
